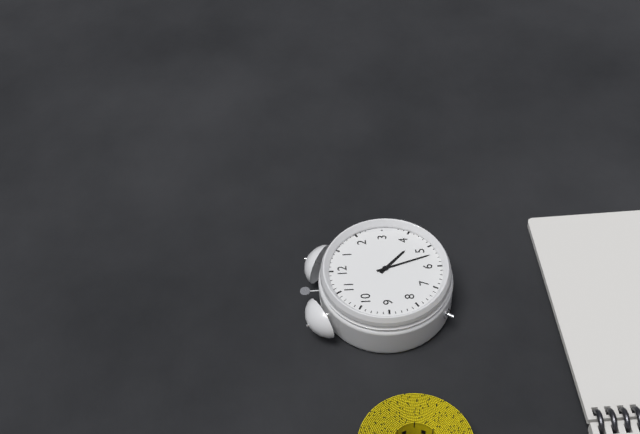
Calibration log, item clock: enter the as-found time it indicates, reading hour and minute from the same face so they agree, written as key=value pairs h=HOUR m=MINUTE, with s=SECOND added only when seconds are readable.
h=4 m=27
